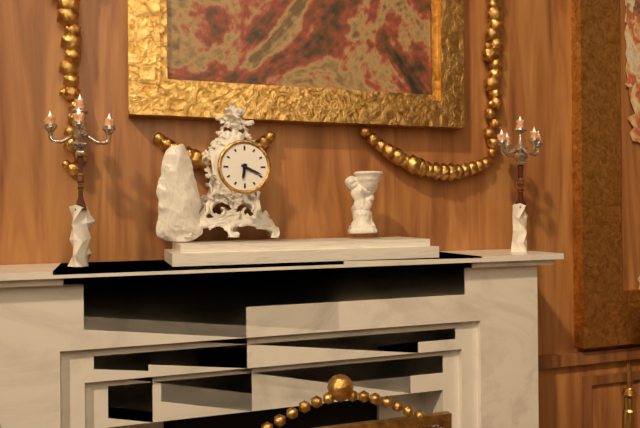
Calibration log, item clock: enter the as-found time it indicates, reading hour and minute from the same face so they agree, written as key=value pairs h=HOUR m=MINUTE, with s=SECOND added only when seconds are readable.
h=6 m=19
